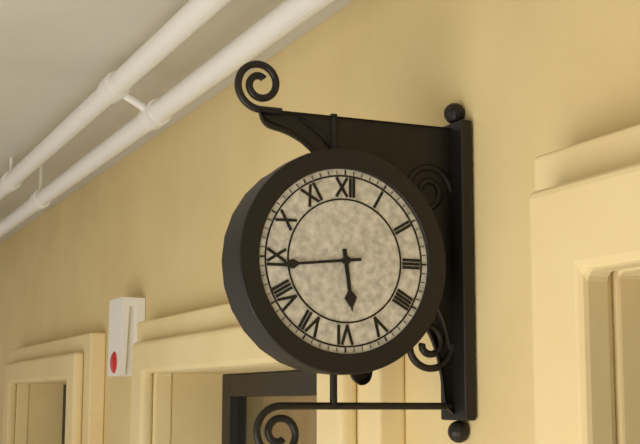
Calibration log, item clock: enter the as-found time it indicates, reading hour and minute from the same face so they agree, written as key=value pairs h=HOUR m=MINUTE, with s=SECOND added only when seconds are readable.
h=5 m=44
